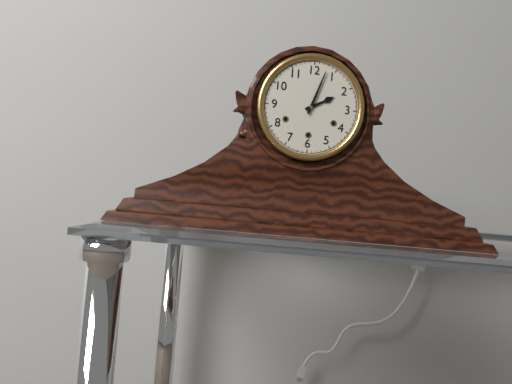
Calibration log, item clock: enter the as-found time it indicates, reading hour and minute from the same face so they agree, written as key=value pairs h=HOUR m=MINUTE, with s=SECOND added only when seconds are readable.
h=2 m=3
